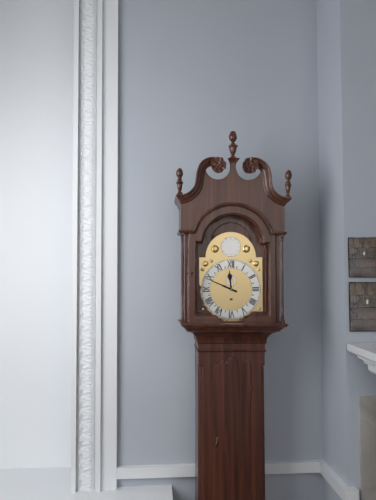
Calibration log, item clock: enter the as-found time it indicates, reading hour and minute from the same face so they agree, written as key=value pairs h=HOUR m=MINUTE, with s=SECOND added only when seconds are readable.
h=11 m=49
